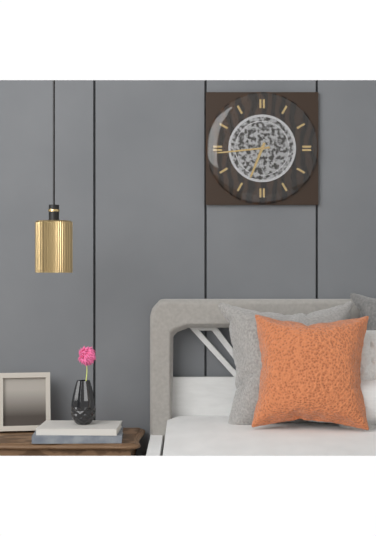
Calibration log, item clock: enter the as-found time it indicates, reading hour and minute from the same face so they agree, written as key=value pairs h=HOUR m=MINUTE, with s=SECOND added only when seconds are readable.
h=6 m=44
